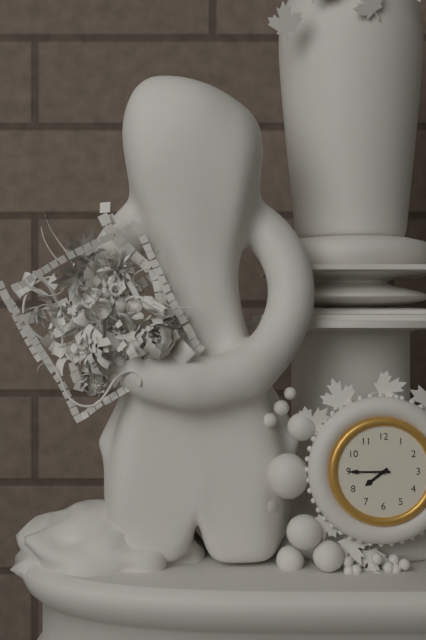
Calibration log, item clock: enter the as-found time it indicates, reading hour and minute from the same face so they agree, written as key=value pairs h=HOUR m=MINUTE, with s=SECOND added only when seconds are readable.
h=7 m=45
